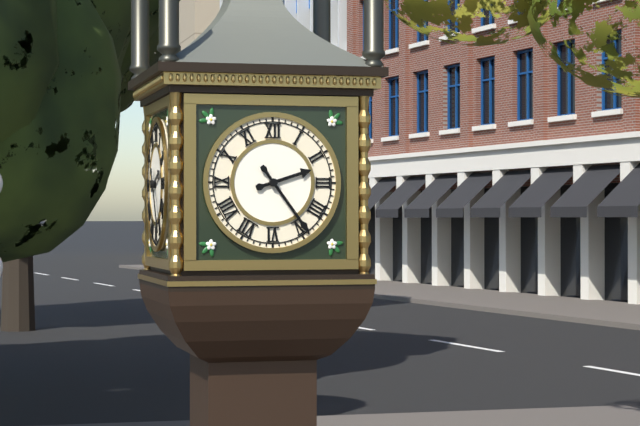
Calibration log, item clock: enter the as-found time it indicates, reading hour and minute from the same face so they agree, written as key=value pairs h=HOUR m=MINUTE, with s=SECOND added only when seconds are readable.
h=2 m=24
